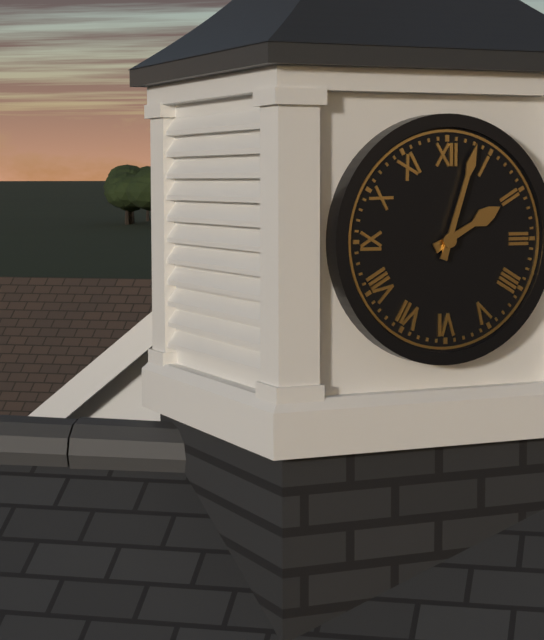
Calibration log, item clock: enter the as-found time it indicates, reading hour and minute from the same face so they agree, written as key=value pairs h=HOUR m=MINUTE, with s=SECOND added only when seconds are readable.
h=2 m=3
